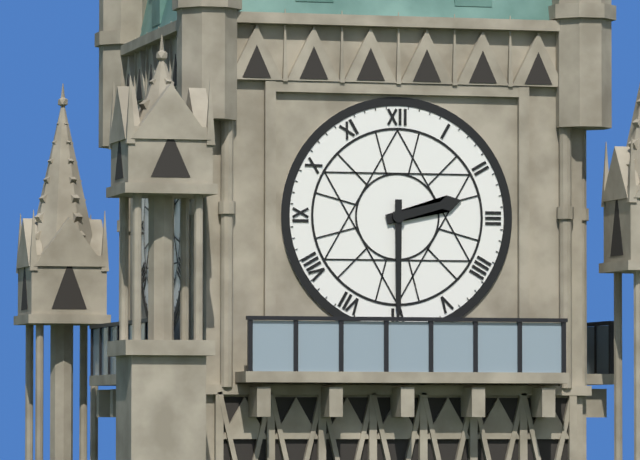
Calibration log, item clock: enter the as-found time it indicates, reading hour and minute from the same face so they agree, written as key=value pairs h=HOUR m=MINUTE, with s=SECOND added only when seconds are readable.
h=2 m=30
